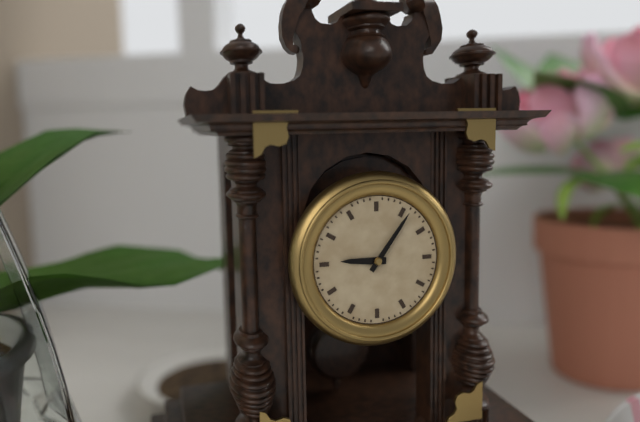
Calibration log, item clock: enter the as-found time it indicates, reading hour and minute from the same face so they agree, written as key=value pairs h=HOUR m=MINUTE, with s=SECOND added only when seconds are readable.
h=9 m=6
